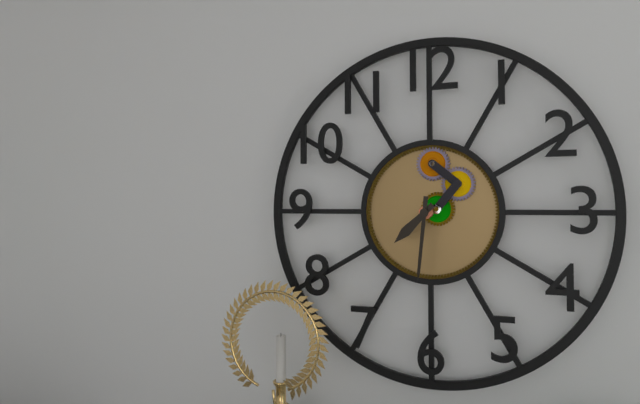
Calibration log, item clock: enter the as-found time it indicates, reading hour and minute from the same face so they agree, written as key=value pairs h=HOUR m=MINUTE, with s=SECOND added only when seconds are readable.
h=7 m=31
